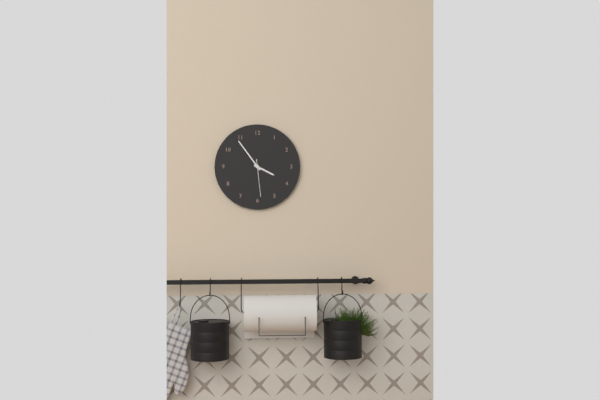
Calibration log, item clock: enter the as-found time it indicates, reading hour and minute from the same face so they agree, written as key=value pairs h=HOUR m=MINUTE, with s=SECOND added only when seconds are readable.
h=3 m=54
